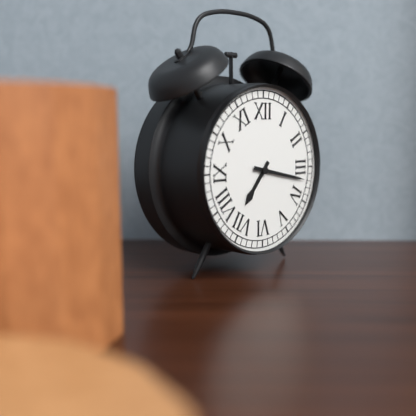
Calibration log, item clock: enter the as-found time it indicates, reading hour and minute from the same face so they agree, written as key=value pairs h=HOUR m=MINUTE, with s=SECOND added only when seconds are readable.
h=7 m=17
